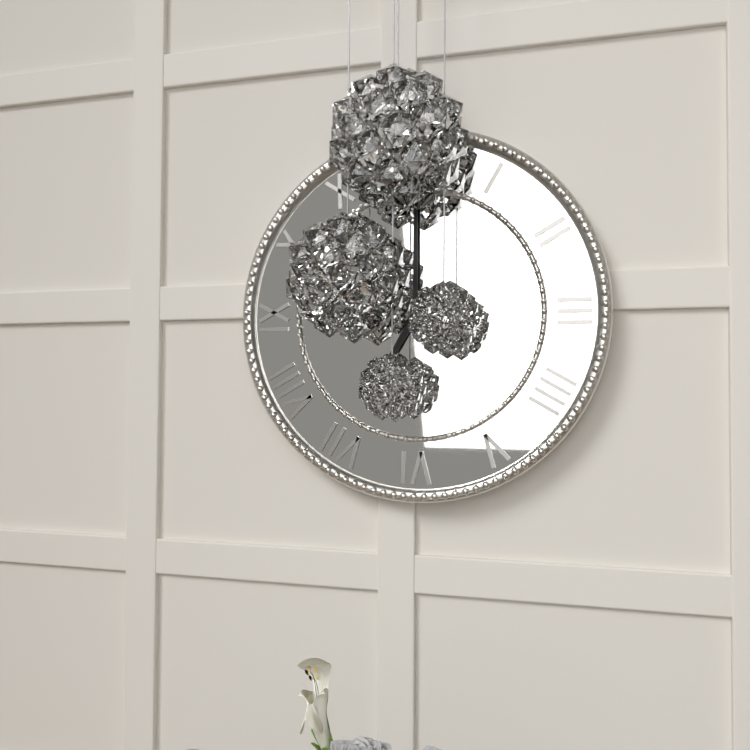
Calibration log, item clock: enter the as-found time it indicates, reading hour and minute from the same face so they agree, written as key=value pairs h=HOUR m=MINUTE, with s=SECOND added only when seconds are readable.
h=7 m=0
